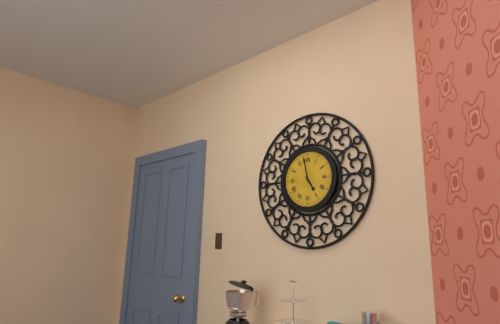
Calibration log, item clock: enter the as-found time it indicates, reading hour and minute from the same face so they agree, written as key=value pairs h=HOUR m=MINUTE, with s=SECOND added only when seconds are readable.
h=4 m=58
